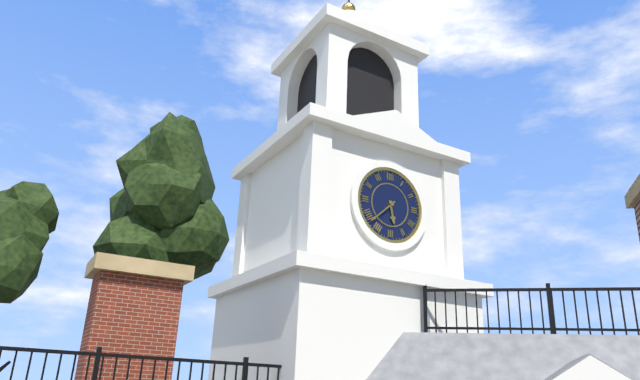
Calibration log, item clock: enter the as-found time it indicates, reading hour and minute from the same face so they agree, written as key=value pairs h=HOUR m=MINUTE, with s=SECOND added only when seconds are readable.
h=5 m=38
